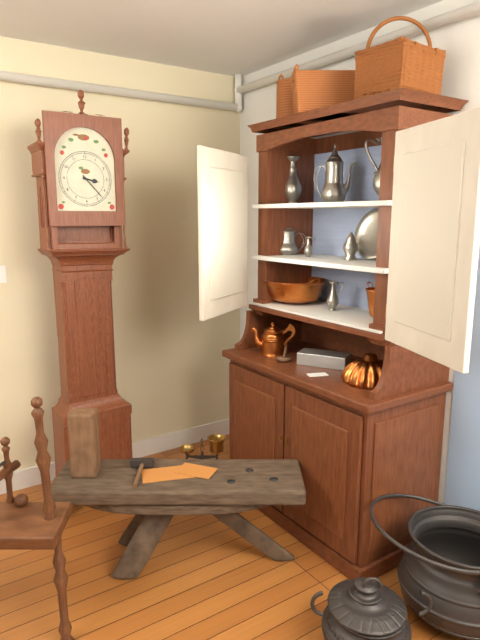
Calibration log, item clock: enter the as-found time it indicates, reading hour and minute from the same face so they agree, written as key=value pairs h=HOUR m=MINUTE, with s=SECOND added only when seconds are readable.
h=3 m=23
